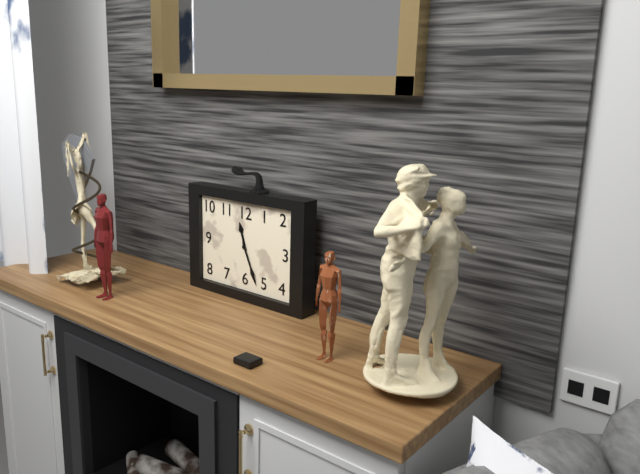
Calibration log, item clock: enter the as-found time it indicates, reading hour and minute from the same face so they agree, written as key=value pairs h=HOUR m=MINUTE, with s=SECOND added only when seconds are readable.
h=11 m=26
